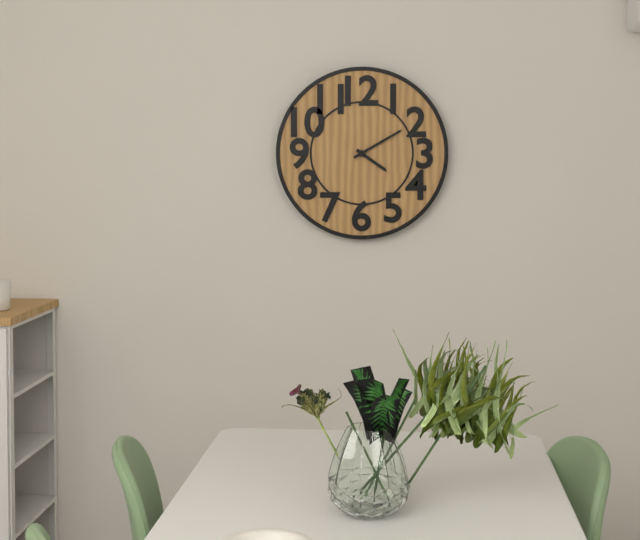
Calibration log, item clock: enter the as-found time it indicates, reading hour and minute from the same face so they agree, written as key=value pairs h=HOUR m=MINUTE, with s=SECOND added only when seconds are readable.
h=4 m=10
